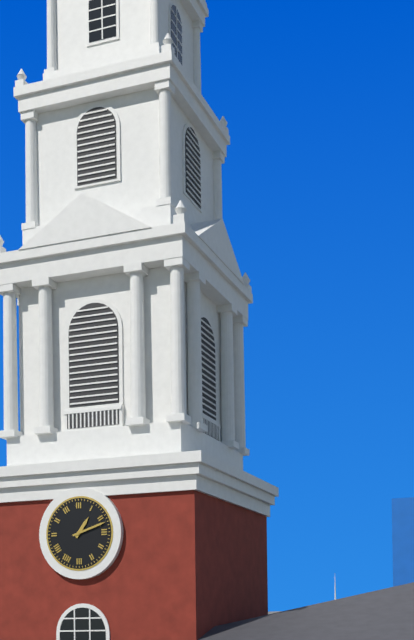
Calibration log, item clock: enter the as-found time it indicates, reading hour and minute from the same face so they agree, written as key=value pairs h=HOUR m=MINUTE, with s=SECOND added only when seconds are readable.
h=1 m=12
